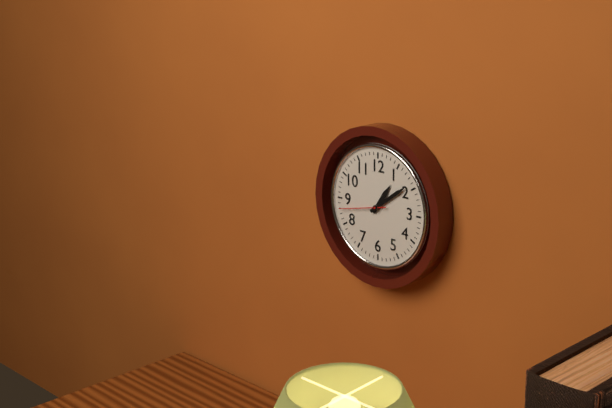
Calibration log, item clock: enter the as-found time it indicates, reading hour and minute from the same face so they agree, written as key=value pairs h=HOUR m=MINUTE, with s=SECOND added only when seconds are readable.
h=1 m=9
